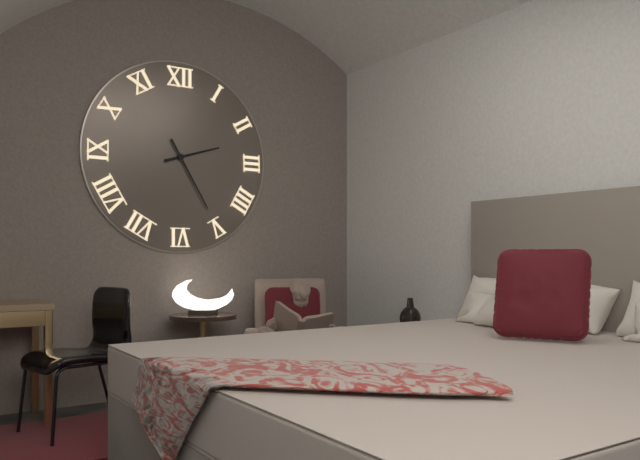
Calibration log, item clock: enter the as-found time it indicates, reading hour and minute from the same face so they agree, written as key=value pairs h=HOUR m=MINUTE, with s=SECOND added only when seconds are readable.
h=2 m=25
